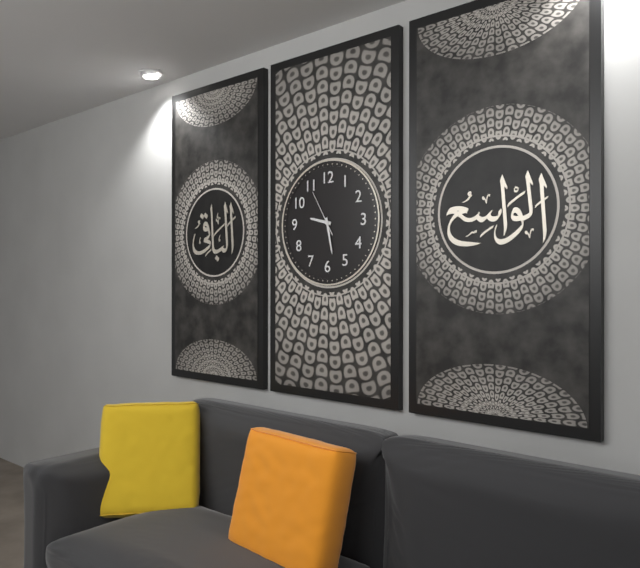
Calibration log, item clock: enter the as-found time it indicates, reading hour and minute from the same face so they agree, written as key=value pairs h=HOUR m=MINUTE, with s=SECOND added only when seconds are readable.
h=9 m=28
